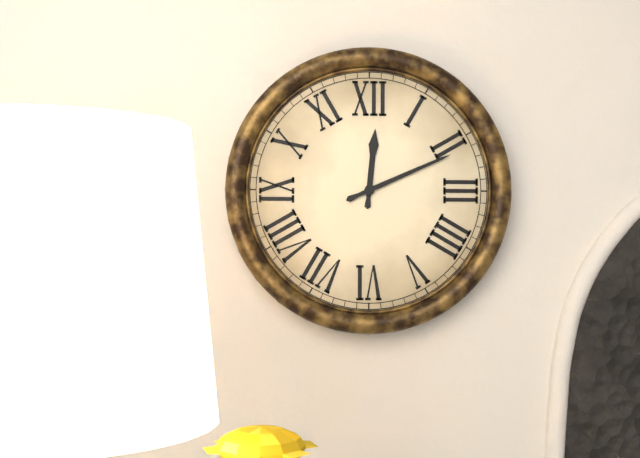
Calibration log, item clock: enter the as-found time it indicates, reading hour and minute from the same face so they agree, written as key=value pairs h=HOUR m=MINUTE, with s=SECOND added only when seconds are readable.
h=12 m=11
